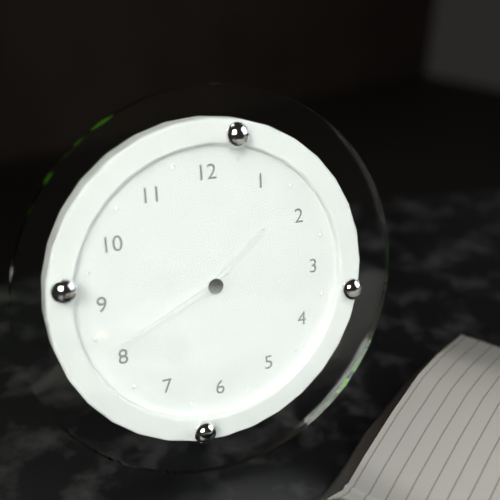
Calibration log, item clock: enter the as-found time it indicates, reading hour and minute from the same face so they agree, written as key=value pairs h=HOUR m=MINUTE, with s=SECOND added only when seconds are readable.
h=1 m=41
